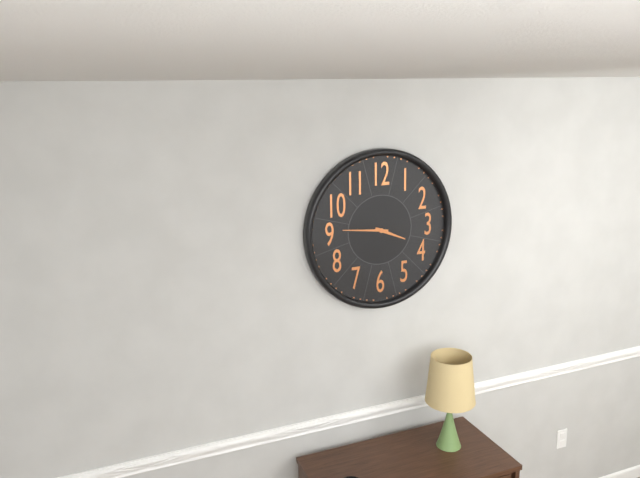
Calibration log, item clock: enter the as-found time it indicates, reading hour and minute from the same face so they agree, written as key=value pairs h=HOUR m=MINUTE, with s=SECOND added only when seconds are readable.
h=3 m=46
